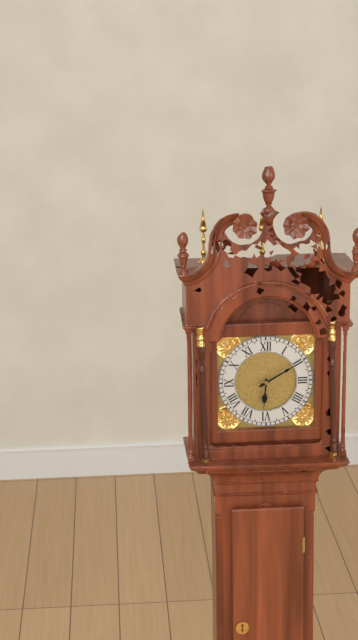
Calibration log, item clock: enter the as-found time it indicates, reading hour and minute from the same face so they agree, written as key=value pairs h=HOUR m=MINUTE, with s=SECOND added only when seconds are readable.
h=6 m=10
